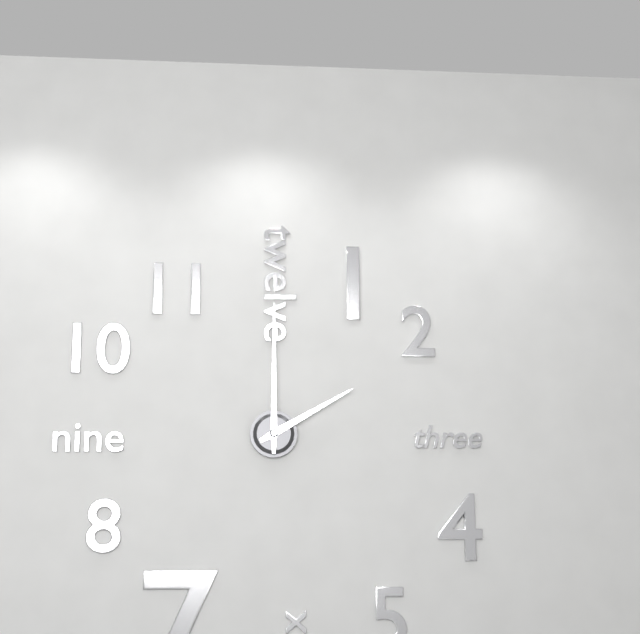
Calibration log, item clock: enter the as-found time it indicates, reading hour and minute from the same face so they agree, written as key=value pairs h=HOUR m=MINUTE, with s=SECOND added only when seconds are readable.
h=2 m=0
